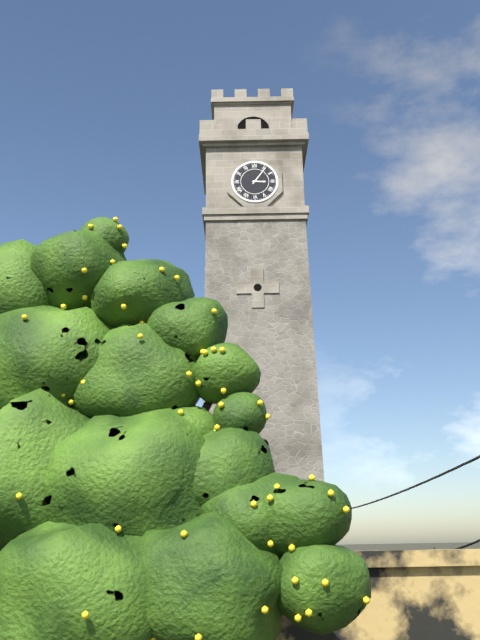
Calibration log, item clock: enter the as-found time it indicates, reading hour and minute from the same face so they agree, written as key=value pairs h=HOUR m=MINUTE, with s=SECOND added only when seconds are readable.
h=3 m=6
